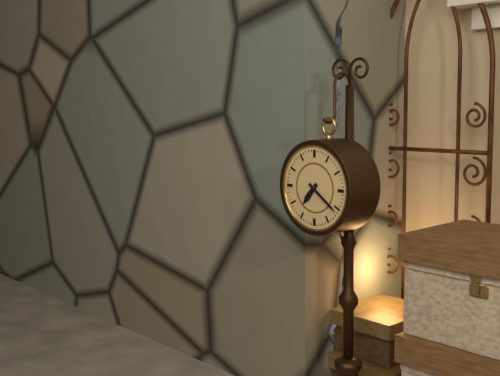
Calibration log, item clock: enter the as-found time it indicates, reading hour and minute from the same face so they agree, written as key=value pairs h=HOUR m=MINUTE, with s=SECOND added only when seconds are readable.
h=7 m=21
